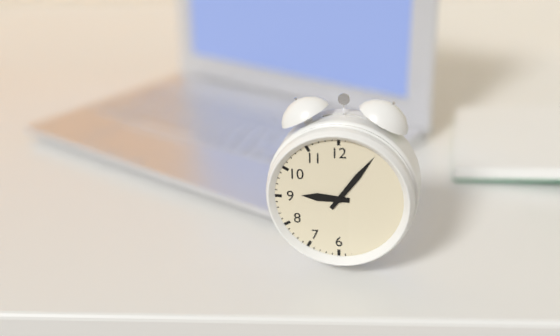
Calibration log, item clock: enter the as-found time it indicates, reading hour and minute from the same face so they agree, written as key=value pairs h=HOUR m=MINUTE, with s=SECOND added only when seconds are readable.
h=9 m=6
